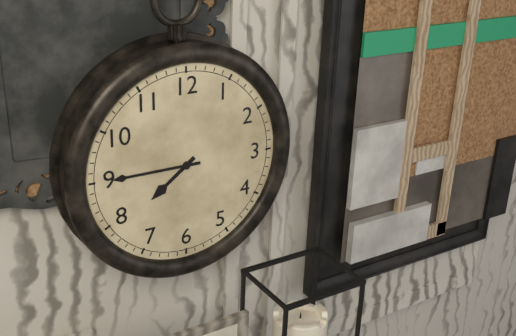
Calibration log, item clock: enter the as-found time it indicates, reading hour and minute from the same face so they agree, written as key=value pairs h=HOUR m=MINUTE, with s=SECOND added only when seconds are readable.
h=7 m=45
